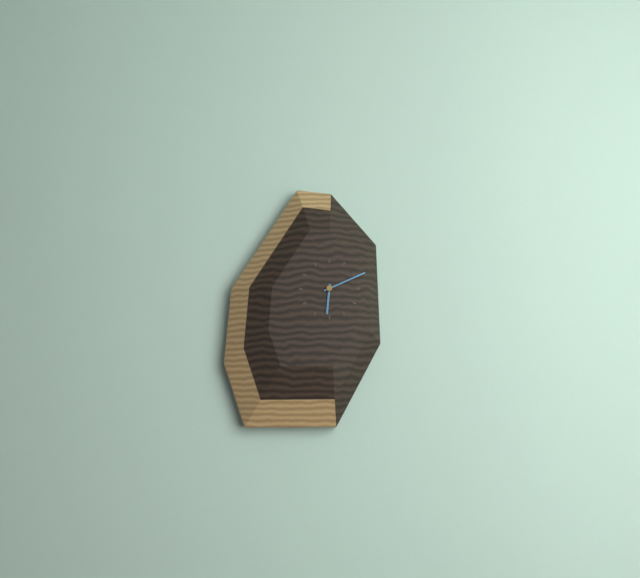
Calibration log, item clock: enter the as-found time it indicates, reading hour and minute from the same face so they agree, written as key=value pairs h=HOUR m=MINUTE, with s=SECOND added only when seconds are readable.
h=6 m=11
